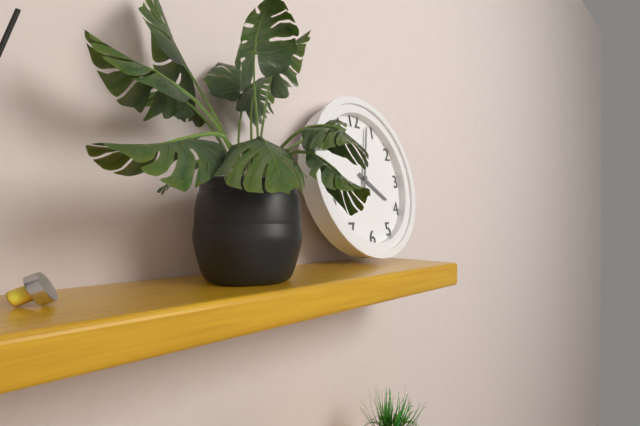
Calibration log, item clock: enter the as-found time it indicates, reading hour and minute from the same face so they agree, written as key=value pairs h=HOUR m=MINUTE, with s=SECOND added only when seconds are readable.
h=4 m=3
